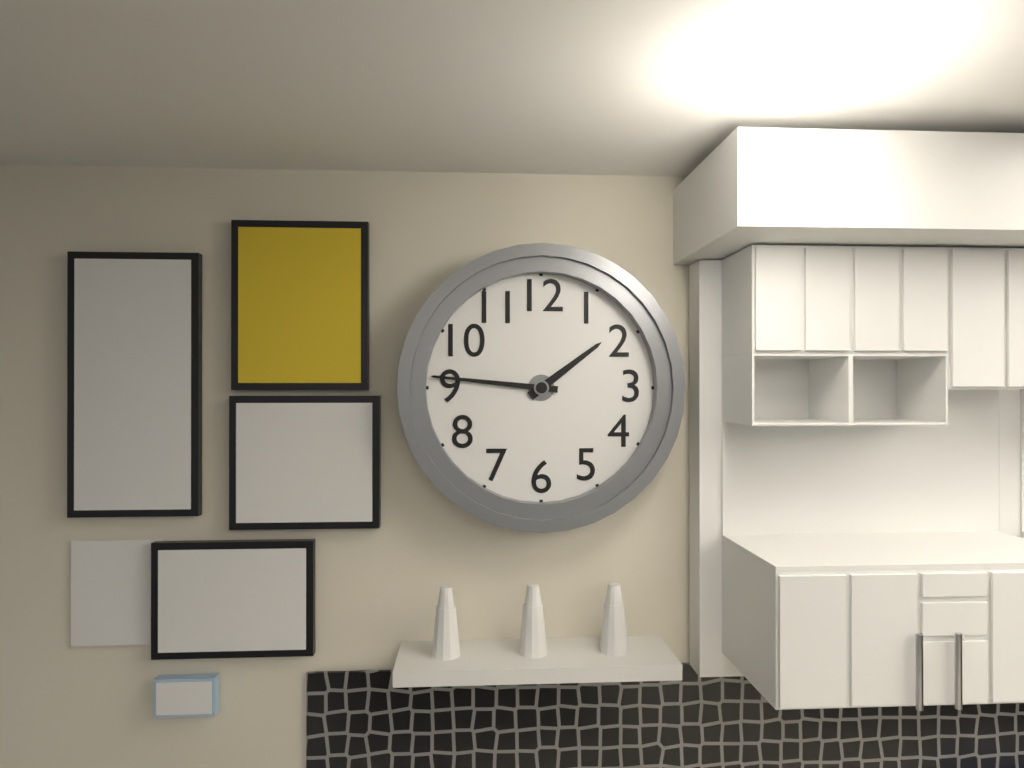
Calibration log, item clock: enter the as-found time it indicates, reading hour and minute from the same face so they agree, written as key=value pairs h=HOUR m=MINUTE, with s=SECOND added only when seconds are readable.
h=1 m=46
